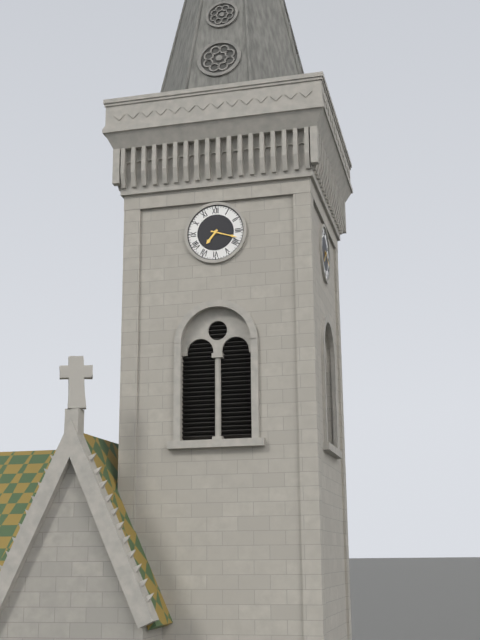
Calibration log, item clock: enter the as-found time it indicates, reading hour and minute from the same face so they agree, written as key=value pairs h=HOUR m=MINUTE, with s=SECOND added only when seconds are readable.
h=7 m=18
